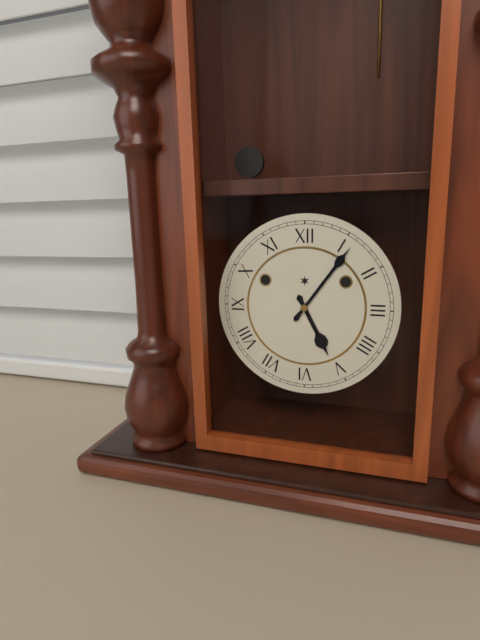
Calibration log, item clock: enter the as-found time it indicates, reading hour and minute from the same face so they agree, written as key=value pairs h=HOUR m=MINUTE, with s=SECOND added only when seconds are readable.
h=5 m=6
